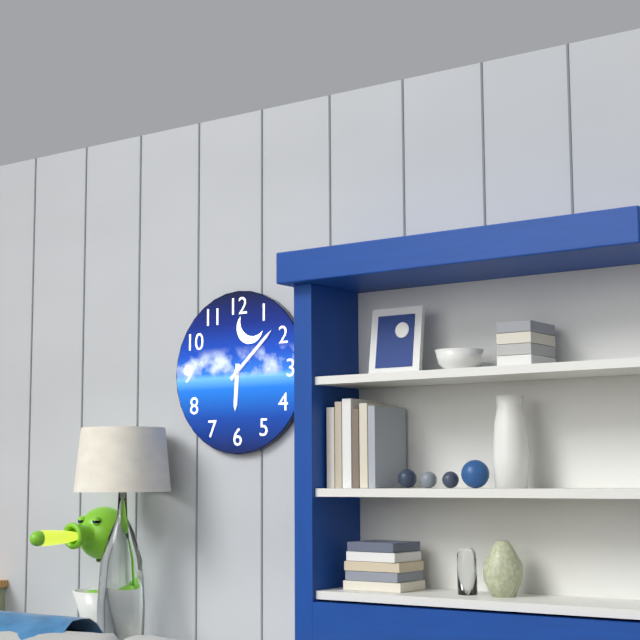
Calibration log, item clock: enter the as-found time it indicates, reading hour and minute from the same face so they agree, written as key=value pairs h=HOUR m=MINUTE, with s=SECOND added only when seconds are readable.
h=6 m=8
